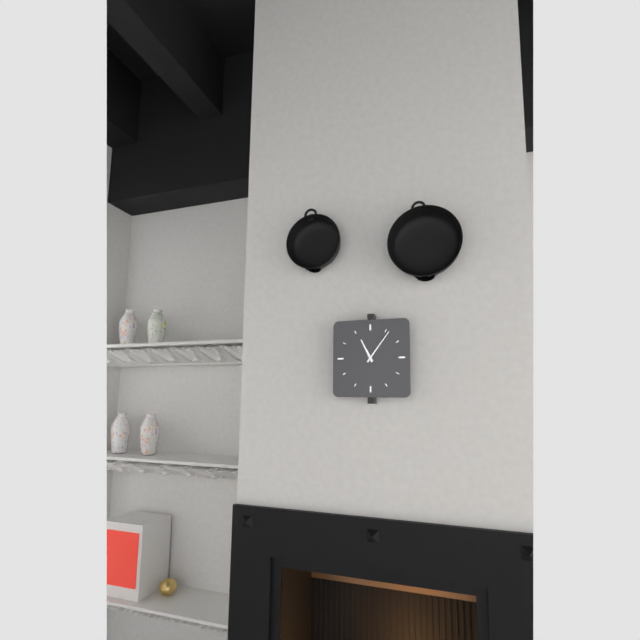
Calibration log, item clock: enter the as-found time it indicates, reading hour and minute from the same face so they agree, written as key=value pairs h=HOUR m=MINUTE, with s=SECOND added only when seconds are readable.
h=11 m=6
